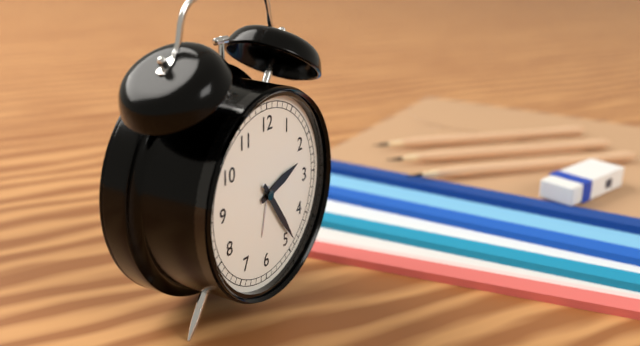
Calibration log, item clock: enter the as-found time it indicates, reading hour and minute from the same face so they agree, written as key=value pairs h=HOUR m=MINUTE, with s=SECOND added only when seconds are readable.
h=2 m=24
